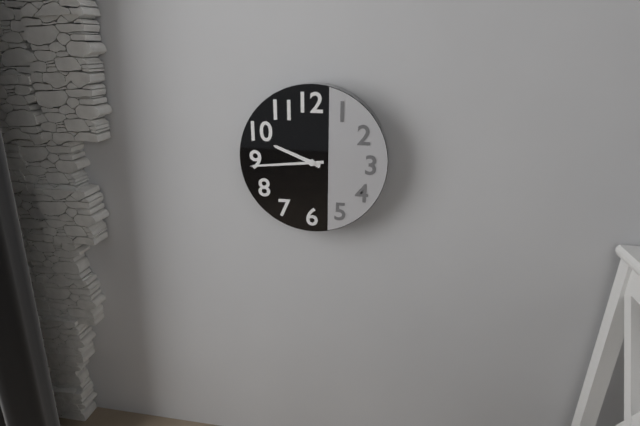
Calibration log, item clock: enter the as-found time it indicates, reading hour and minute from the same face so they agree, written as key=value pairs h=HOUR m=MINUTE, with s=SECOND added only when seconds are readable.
h=9 m=44
